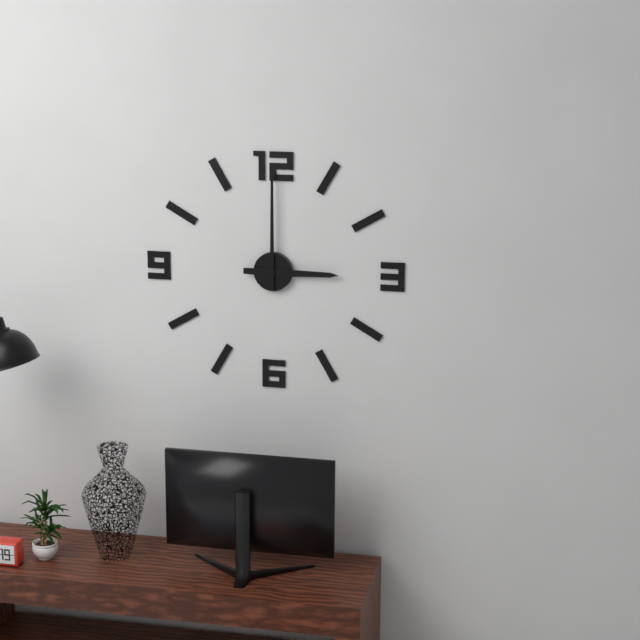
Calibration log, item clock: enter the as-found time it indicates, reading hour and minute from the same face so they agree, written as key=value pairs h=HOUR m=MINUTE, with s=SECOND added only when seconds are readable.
h=3 m=0
